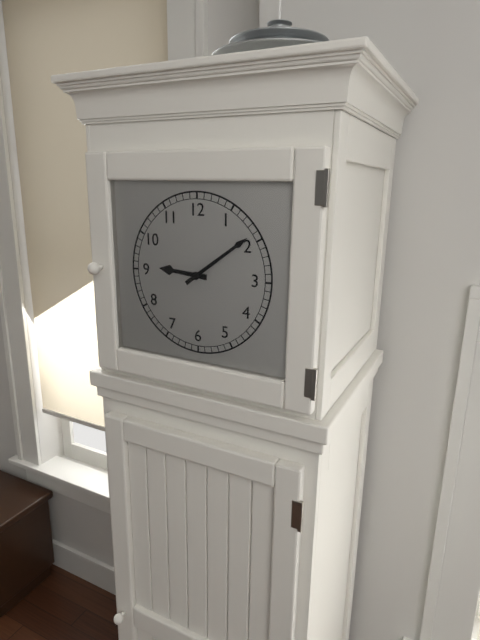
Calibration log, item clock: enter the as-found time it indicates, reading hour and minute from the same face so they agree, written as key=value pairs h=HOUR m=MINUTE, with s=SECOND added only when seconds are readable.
h=9 m=9
